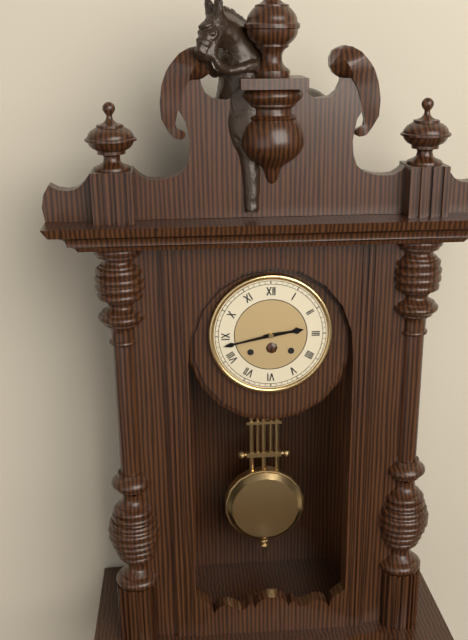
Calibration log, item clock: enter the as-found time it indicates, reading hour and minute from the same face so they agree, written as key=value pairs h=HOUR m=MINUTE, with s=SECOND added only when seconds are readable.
h=2 m=43
